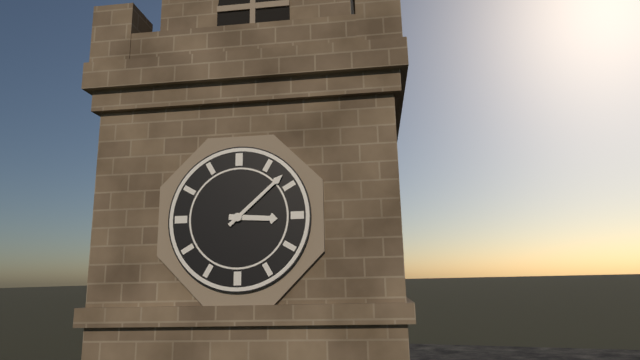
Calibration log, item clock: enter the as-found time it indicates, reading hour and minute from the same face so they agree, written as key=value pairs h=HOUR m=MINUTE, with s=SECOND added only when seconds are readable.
h=3 m=8
